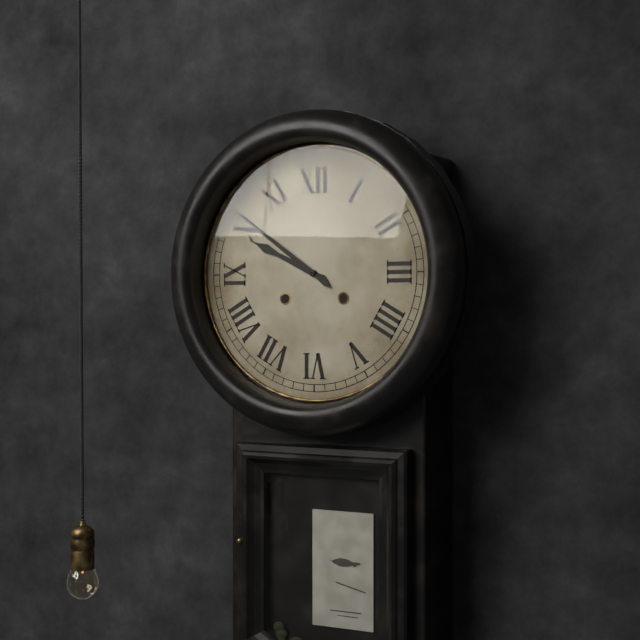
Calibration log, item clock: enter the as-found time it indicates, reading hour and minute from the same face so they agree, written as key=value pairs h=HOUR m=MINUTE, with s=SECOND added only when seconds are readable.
h=9 m=51
